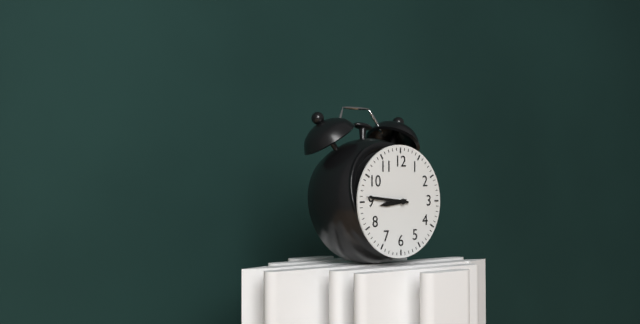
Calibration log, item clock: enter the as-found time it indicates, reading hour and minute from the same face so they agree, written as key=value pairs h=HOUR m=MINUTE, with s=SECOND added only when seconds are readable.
h=8 m=46
